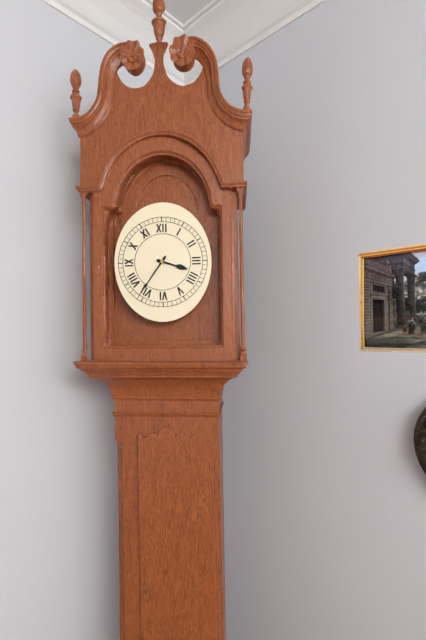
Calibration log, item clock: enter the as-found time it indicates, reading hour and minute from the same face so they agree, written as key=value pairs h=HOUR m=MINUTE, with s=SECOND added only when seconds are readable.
h=3 m=36
